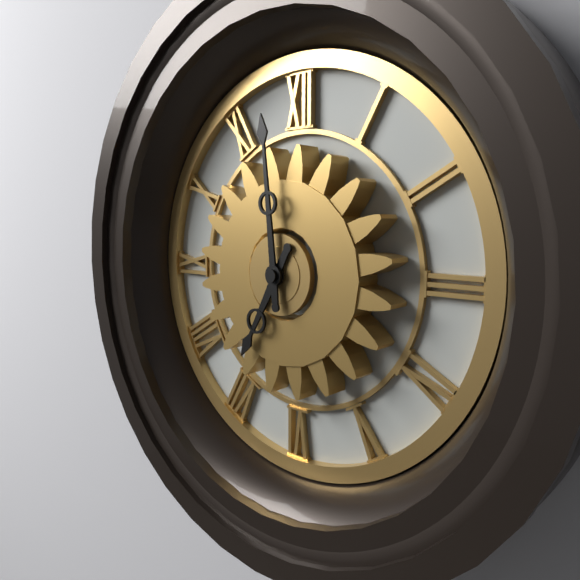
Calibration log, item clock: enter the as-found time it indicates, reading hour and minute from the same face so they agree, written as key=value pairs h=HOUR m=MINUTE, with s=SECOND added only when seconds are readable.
h=6 m=59
